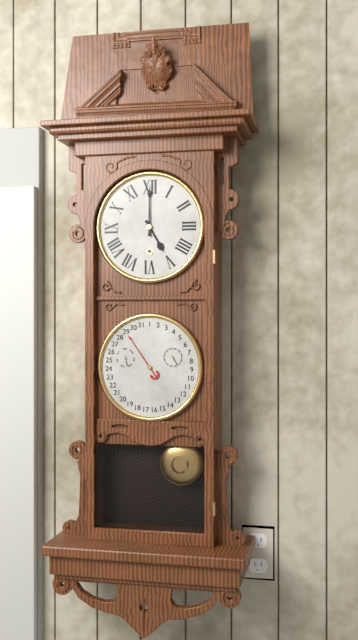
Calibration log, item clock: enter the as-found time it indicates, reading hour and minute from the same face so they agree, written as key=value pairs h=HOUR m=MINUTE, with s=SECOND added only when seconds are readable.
h=5 m=0
